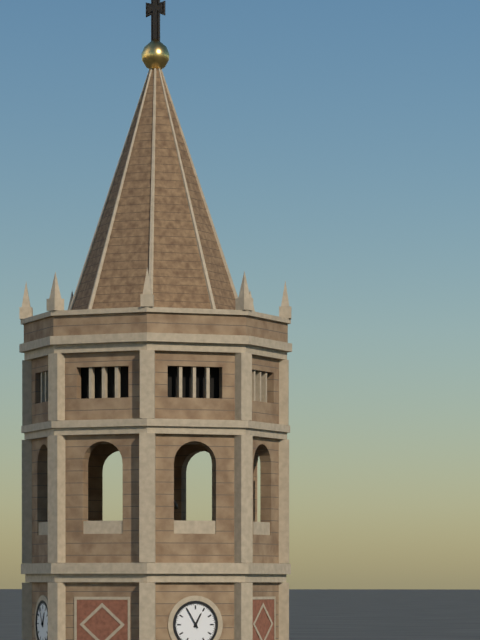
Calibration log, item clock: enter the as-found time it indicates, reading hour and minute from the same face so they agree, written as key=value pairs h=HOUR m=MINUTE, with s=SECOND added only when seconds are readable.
h=12 m=55
